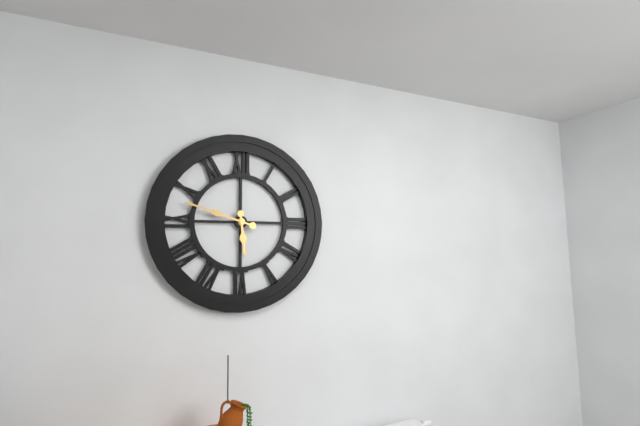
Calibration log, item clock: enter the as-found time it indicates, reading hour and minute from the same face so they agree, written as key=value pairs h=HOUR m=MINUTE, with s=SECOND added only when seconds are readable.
h=5 m=48
